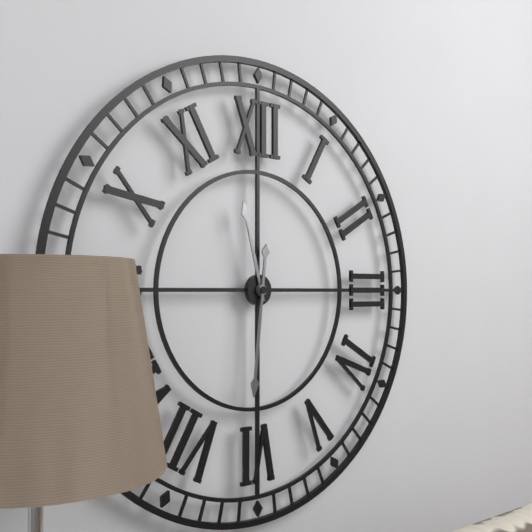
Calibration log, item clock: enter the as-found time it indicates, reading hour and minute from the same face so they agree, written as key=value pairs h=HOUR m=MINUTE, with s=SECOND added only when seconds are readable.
h=11 m=31
